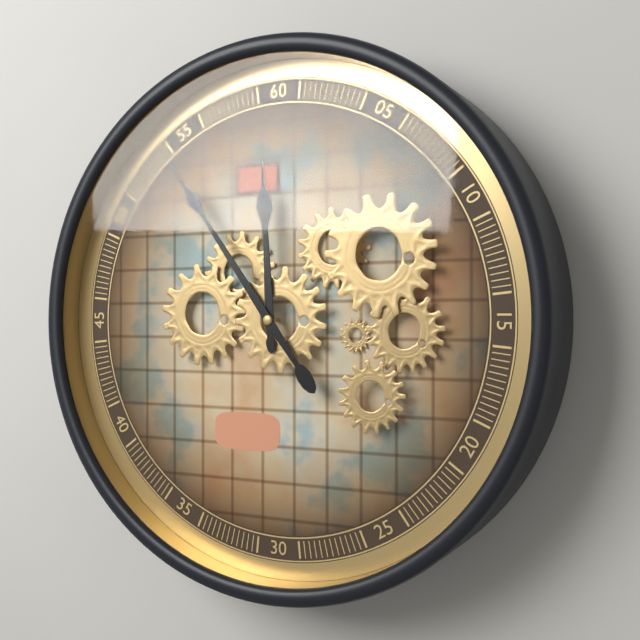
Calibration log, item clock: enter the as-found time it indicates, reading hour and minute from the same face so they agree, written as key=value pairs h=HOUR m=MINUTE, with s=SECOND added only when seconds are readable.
h=11 m=54
